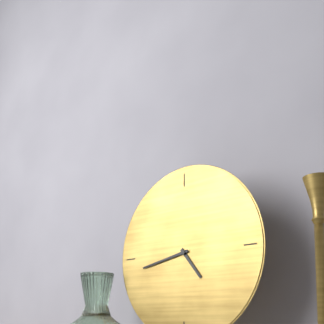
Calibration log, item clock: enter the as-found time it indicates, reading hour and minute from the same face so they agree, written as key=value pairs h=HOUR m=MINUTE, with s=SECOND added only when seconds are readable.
h=4 m=43
